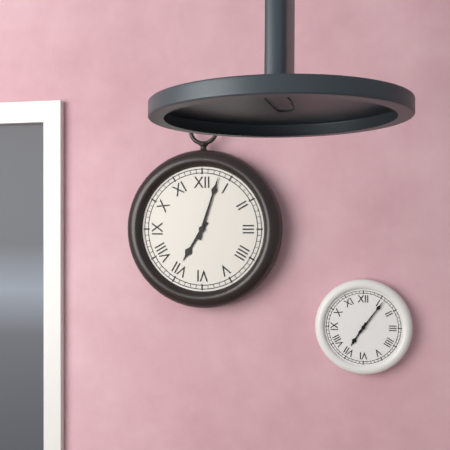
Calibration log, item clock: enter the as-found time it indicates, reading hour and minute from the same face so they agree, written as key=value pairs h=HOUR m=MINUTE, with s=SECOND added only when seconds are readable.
h=7 m=3
